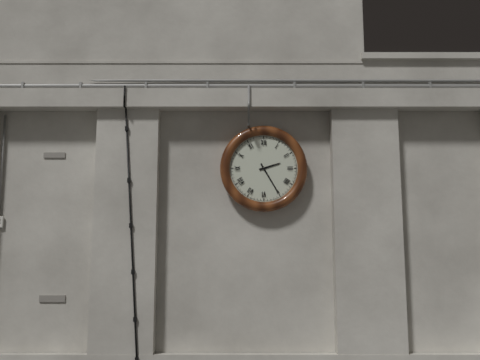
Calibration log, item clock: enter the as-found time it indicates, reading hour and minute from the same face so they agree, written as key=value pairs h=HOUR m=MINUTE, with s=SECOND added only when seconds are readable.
h=2 m=25
